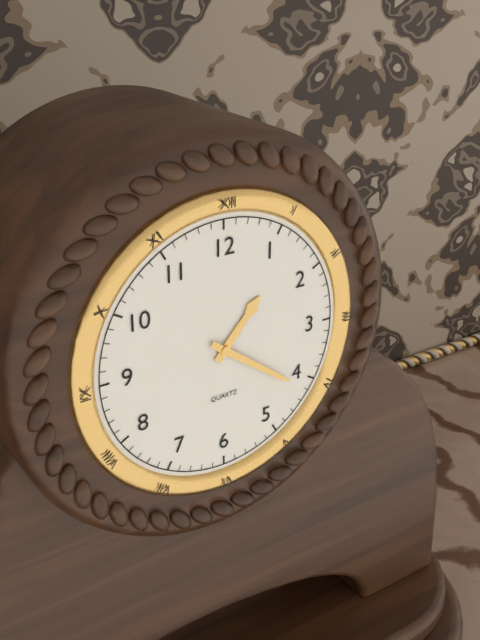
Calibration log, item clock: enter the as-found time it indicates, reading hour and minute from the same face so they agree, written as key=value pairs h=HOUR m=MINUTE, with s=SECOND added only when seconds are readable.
h=1 m=21
